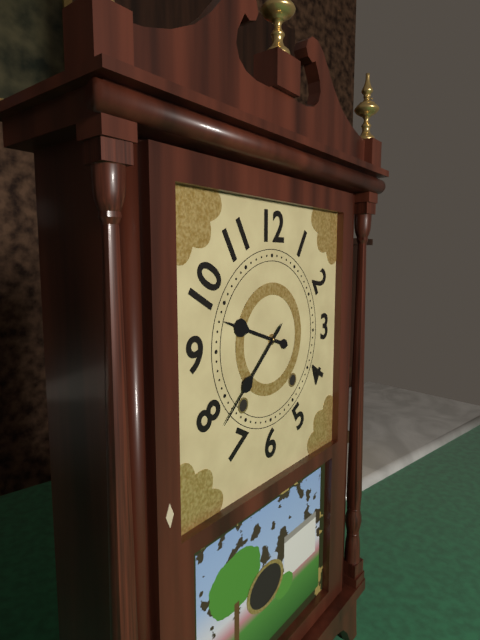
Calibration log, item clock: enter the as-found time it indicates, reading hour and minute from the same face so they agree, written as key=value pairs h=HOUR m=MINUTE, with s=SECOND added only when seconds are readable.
h=9 m=38
